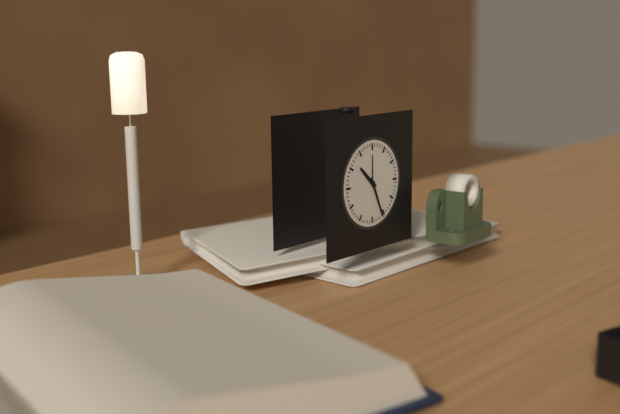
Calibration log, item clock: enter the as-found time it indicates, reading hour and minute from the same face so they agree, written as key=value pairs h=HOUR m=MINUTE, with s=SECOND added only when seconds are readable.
h=10 m=26
